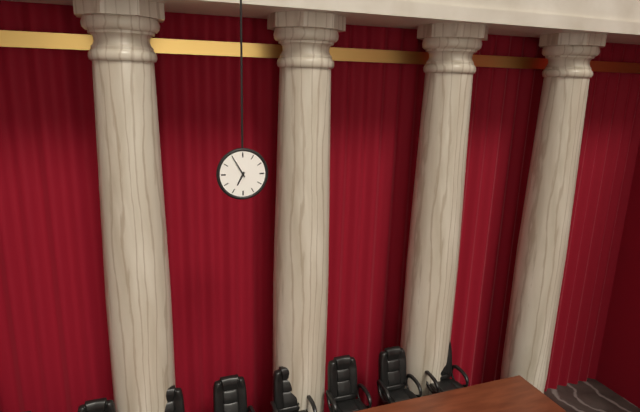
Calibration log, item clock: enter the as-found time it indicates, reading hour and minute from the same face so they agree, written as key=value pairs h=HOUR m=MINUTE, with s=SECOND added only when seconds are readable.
h=6 m=55
